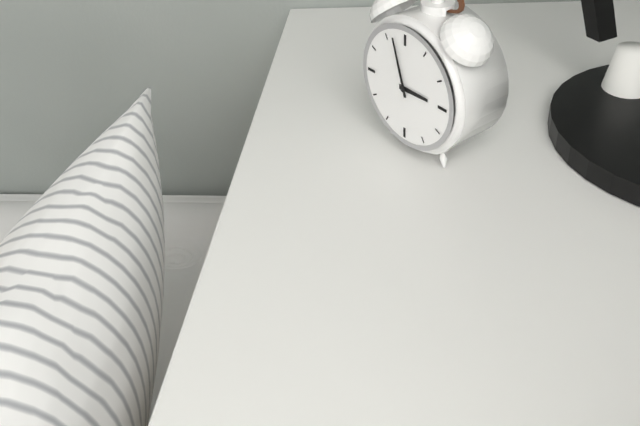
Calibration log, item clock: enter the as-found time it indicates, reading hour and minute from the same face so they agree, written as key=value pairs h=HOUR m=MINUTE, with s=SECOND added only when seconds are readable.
h=2 m=57
